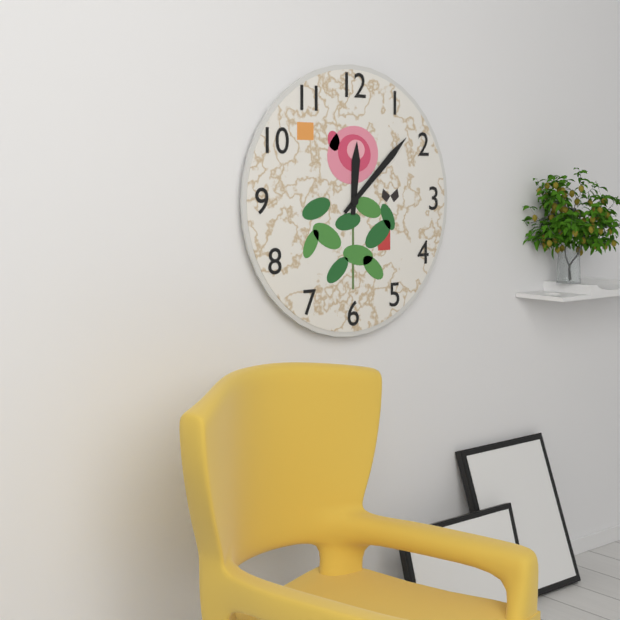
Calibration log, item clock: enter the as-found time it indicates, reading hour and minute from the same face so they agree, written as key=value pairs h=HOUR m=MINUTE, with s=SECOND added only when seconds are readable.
h=12 m=8
